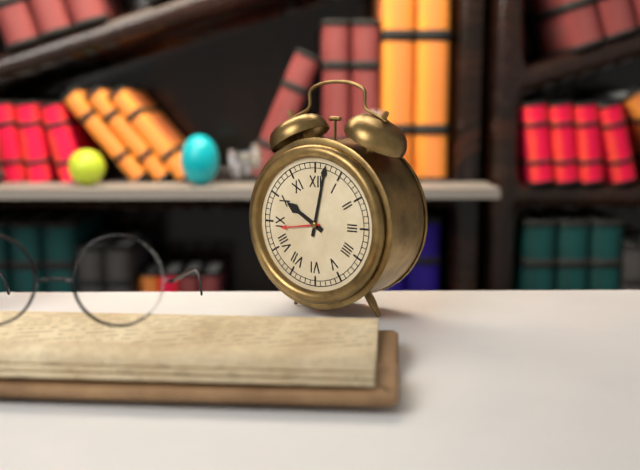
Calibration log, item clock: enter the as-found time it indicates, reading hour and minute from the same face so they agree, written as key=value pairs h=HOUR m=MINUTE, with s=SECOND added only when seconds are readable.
h=10 m=2
